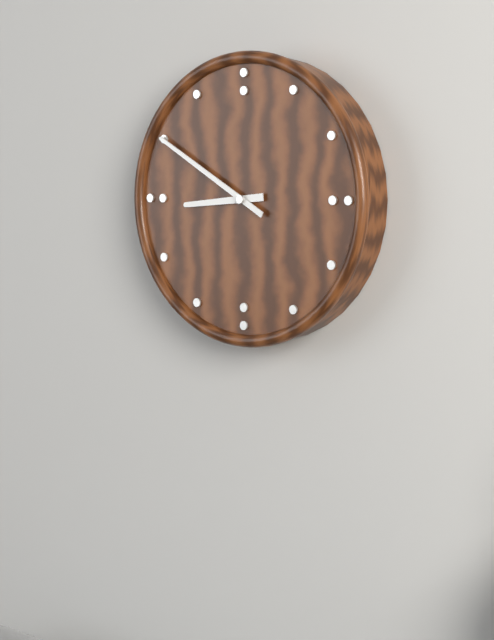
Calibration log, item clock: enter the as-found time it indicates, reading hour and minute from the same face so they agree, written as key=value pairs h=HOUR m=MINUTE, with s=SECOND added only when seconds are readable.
h=8 m=50
